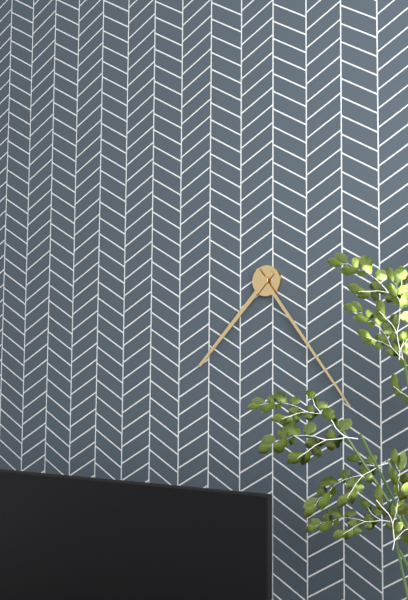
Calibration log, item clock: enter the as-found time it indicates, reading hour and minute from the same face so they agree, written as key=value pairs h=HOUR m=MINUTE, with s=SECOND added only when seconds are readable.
h=7 m=24
